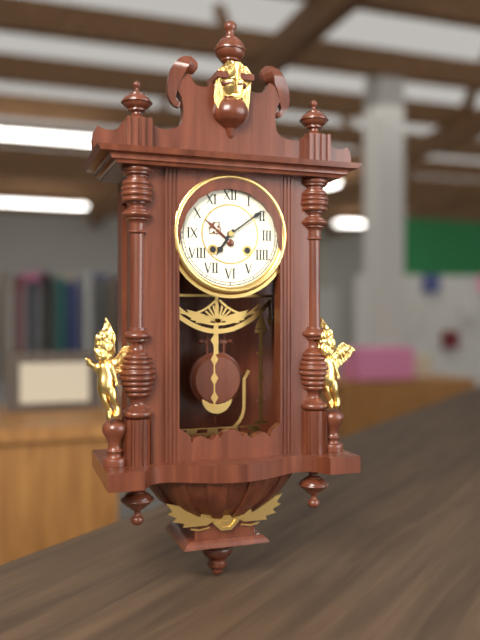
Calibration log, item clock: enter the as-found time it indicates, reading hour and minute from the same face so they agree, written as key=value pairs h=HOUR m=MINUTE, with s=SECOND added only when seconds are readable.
h=7 m=9
